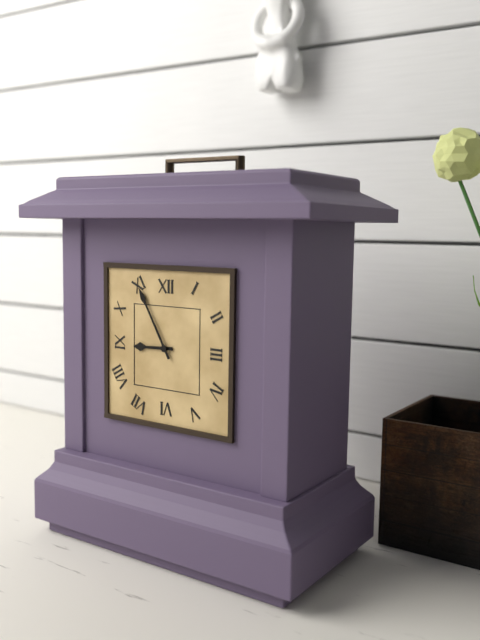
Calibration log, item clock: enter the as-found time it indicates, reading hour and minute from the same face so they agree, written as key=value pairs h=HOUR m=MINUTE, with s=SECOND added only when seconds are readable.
h=8 m=55
